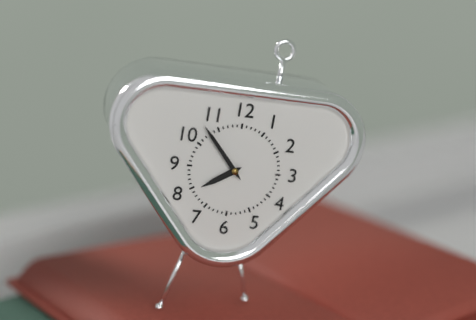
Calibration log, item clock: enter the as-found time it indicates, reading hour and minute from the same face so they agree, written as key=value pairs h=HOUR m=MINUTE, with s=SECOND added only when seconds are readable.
h=7 m=53
